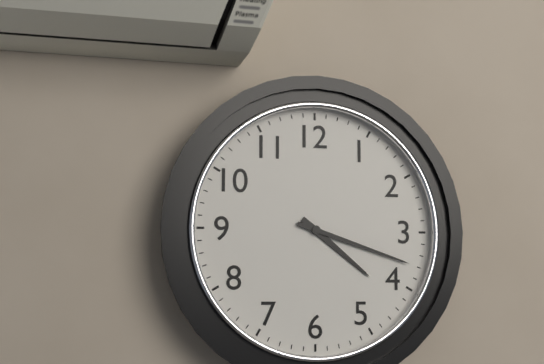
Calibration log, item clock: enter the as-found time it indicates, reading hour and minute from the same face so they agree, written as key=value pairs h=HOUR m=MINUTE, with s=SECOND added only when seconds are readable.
h=4 m=18
